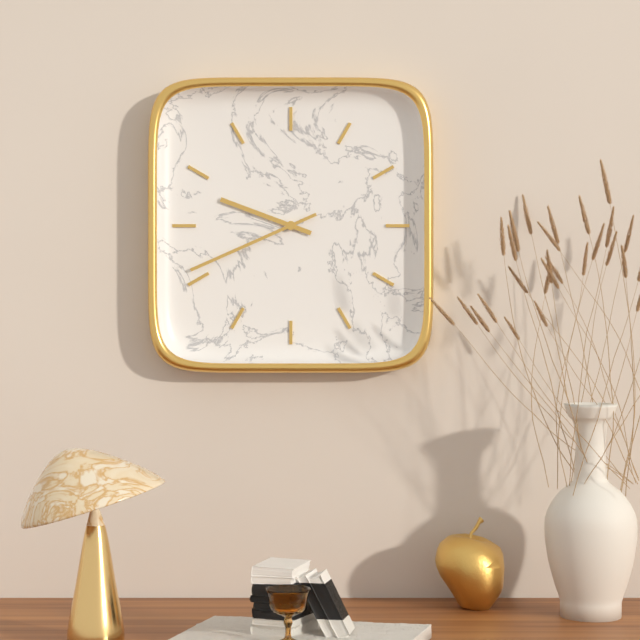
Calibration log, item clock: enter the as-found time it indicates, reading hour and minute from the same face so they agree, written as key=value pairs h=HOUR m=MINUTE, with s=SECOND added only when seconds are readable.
h=9 m=41
